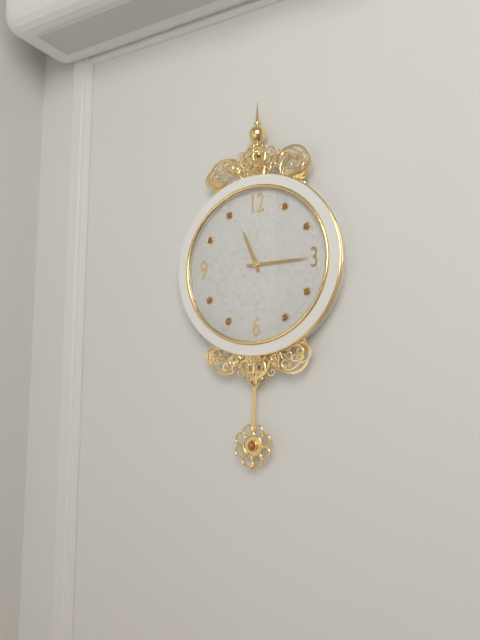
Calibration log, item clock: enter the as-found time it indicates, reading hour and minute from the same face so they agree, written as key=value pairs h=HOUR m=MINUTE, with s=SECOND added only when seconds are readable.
h=11 m=15
